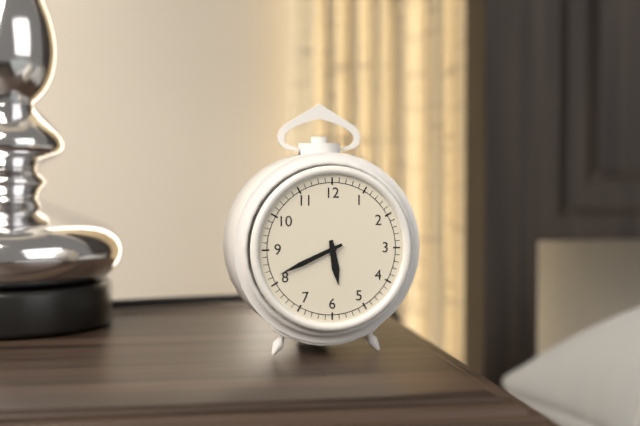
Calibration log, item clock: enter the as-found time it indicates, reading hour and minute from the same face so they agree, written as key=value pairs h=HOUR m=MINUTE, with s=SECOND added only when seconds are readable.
h=5 m=41
